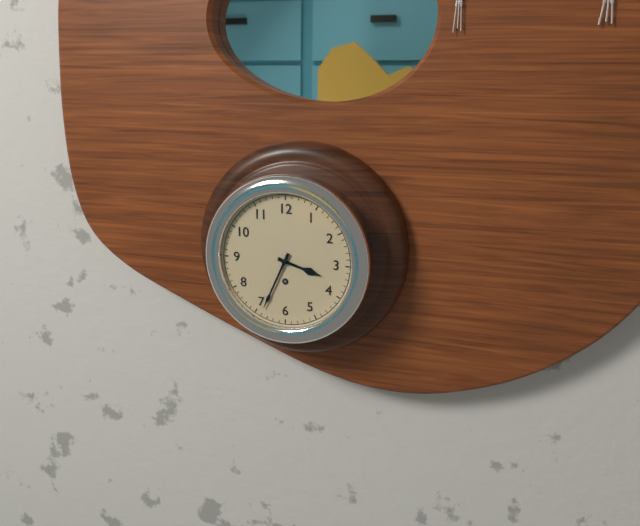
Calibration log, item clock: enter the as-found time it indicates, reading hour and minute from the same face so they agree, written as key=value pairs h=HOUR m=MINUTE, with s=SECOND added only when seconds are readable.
h=3 m=34
